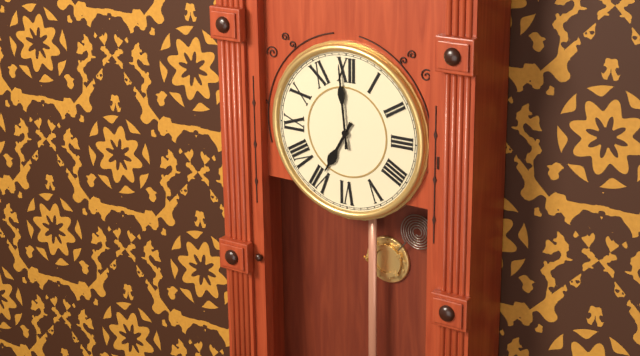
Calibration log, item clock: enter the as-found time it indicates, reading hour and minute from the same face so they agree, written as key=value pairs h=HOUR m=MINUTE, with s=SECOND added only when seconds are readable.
h=6 m=59
